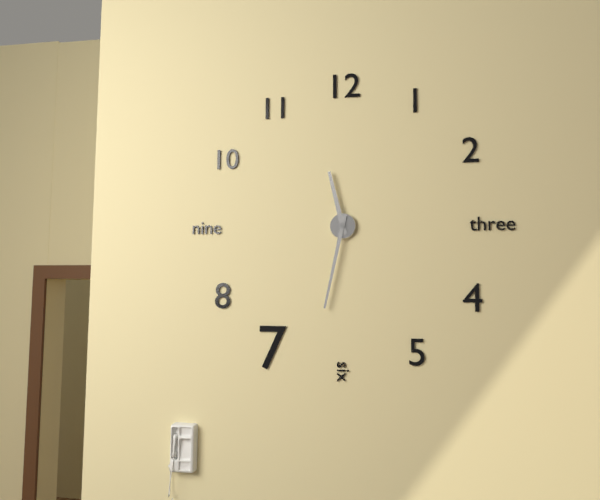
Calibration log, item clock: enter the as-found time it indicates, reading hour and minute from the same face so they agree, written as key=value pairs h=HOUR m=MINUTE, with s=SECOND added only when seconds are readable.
h=11 m=32
